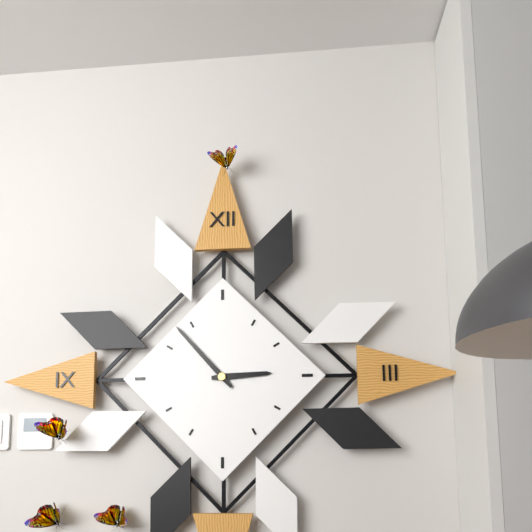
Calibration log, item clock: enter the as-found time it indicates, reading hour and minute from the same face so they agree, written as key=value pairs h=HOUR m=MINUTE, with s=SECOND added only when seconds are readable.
h=2 m=53
